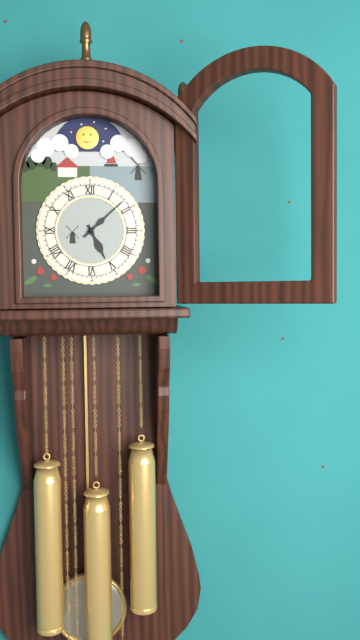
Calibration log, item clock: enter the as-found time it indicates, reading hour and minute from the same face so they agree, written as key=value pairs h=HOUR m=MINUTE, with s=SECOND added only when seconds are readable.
h=5 m=8
